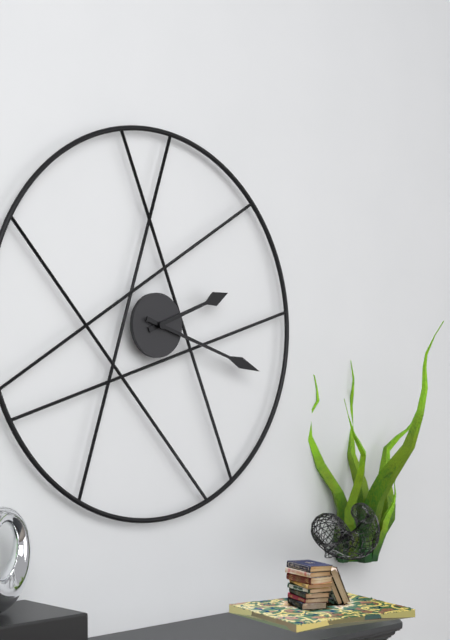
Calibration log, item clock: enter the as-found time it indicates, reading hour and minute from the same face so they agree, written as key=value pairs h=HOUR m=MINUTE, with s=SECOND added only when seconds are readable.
h=2 m=18
